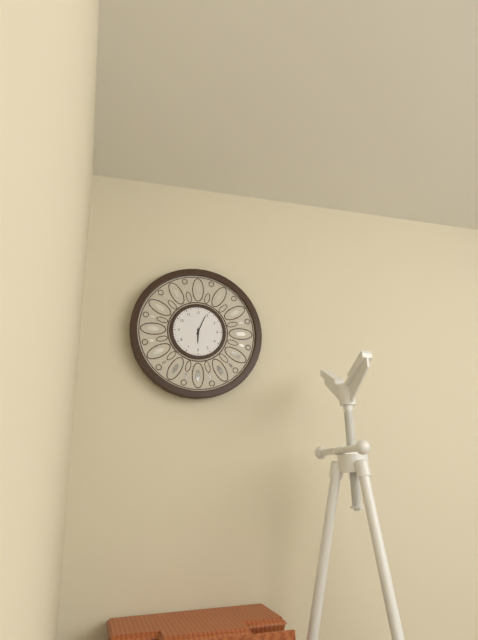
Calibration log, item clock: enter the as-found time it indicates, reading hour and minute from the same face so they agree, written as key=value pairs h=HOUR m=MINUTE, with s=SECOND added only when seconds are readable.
h=6 m=4
